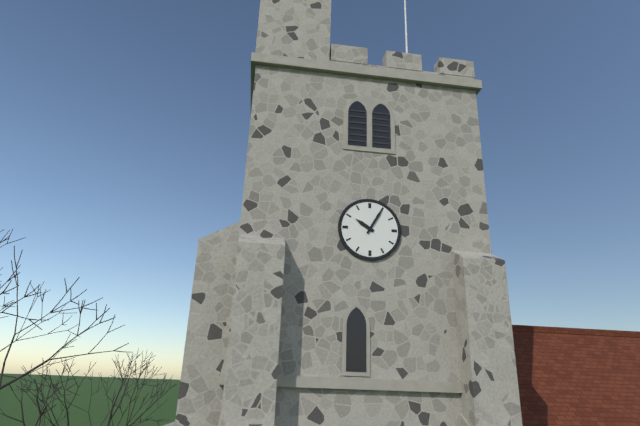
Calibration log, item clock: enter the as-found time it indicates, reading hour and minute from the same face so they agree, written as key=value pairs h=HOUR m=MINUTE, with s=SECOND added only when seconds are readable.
h=10 m=5
